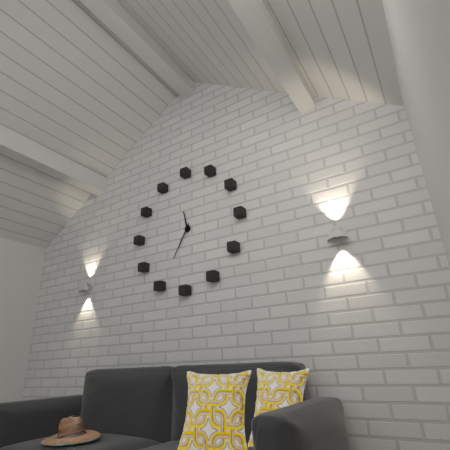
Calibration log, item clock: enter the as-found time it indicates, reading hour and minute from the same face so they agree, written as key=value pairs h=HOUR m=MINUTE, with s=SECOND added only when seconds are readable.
h=11 m=35
